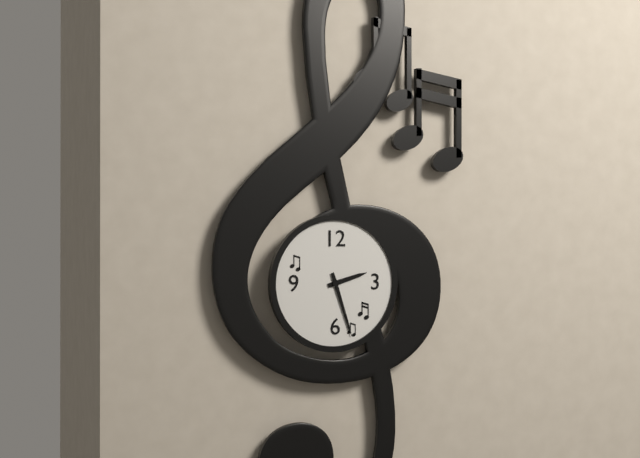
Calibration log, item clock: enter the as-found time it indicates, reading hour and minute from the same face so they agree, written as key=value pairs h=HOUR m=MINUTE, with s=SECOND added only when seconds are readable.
h=2 m=27
